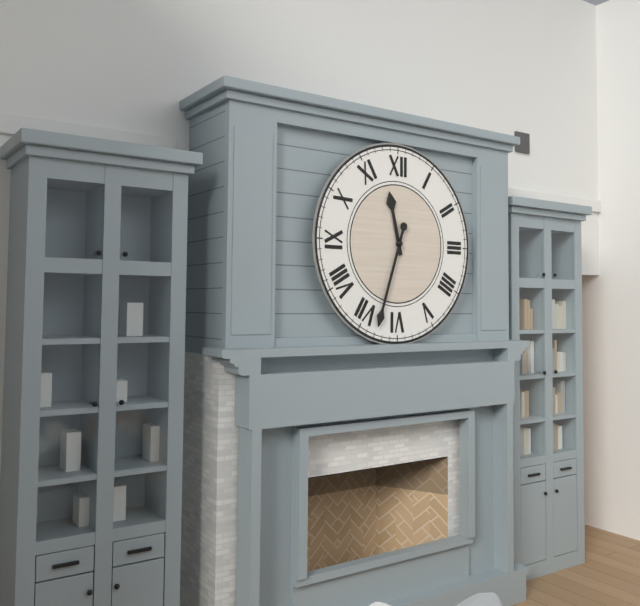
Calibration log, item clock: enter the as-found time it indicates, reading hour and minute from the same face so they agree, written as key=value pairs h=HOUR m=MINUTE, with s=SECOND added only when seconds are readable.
h=11 m=33
